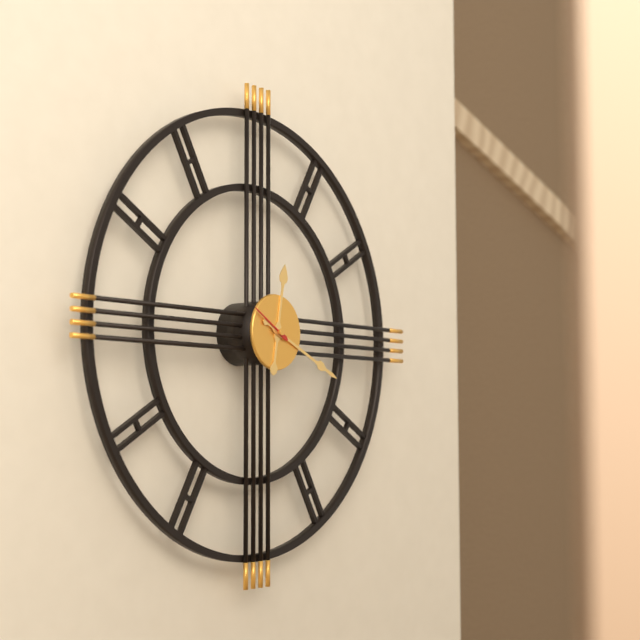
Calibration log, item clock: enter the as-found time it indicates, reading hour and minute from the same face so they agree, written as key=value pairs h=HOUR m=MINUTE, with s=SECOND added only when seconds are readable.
h=12 m=19
